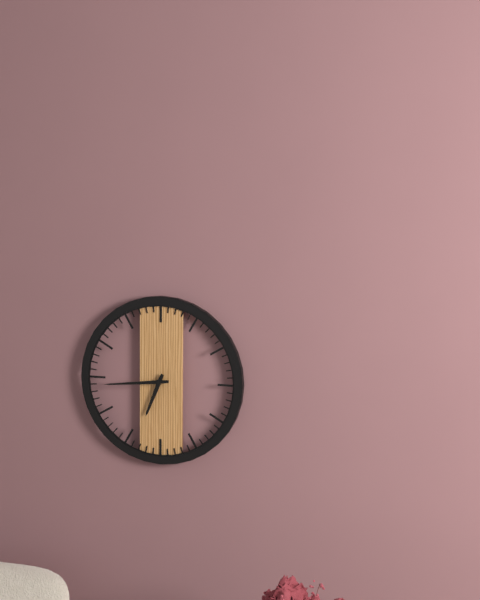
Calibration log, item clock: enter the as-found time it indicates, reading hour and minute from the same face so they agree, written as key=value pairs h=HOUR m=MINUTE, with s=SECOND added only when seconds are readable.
h=6 m=44
